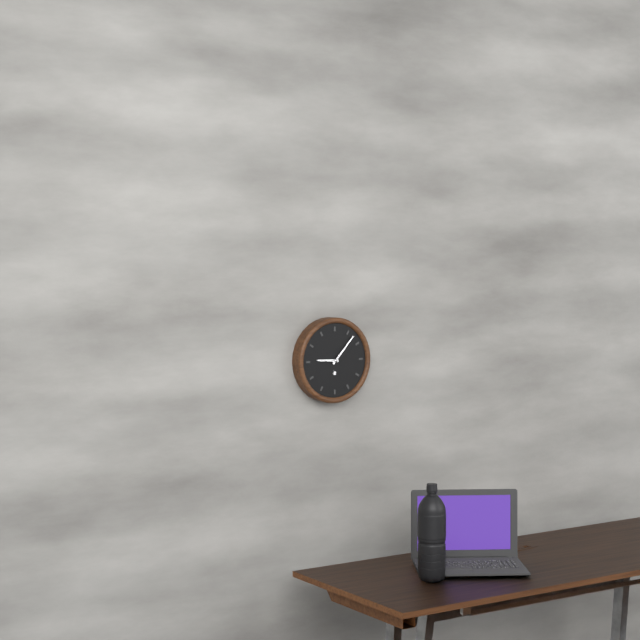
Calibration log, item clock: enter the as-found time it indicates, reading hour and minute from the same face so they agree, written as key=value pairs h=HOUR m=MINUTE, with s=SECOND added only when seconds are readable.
h=9 m=7
